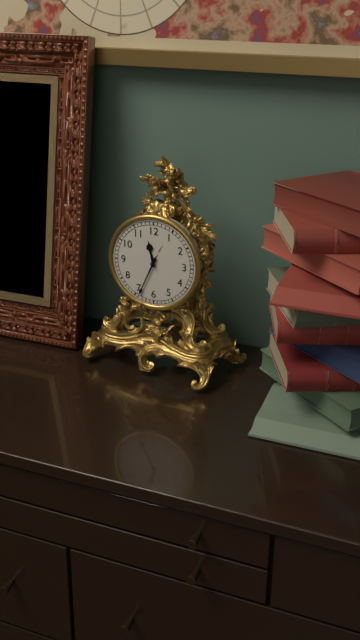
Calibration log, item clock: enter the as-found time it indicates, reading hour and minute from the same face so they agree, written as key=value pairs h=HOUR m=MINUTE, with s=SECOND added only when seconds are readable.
h=11 m=34
